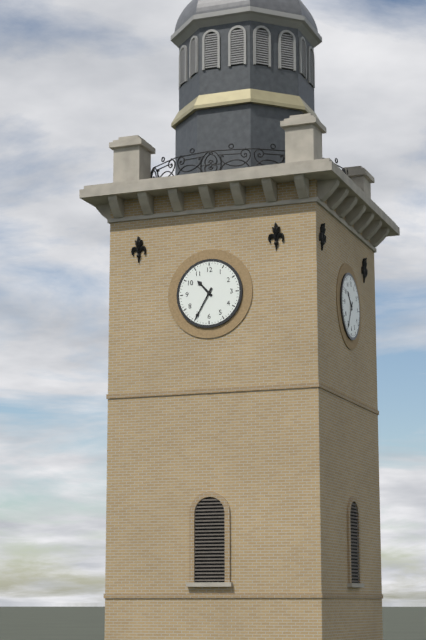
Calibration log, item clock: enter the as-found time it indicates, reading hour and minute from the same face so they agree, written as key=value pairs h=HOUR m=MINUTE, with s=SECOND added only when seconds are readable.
h=10 m=35
